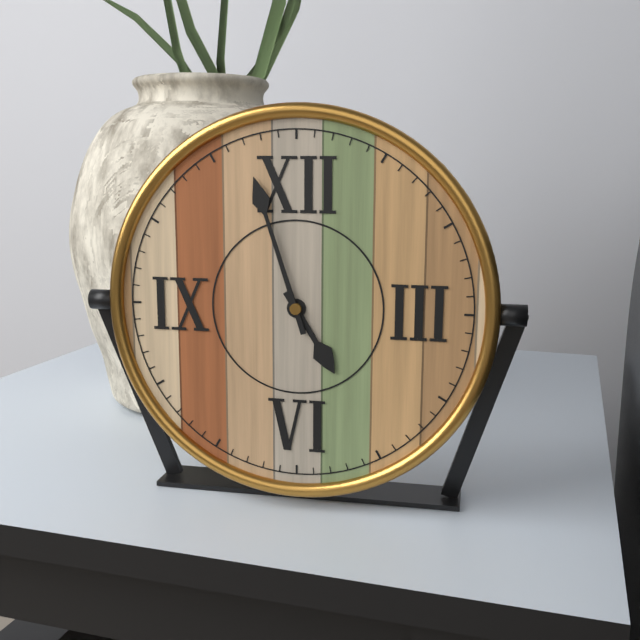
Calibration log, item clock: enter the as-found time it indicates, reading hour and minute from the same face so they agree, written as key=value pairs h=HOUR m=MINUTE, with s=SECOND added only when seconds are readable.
h=4 m=57
